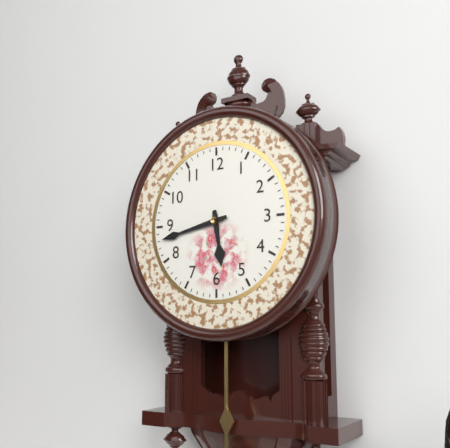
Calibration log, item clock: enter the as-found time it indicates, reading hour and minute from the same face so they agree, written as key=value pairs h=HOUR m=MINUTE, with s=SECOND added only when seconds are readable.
h=5 m=43
